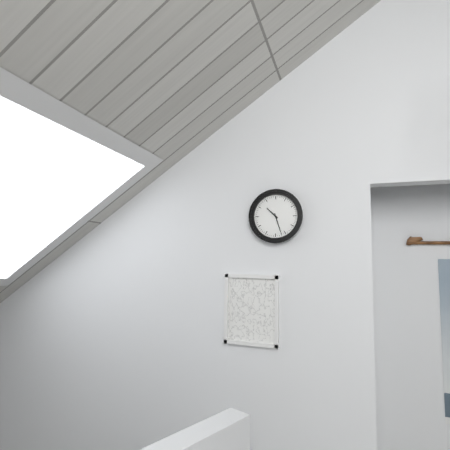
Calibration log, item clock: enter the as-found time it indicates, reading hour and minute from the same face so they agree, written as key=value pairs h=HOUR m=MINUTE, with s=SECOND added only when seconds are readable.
h=10 m=27
